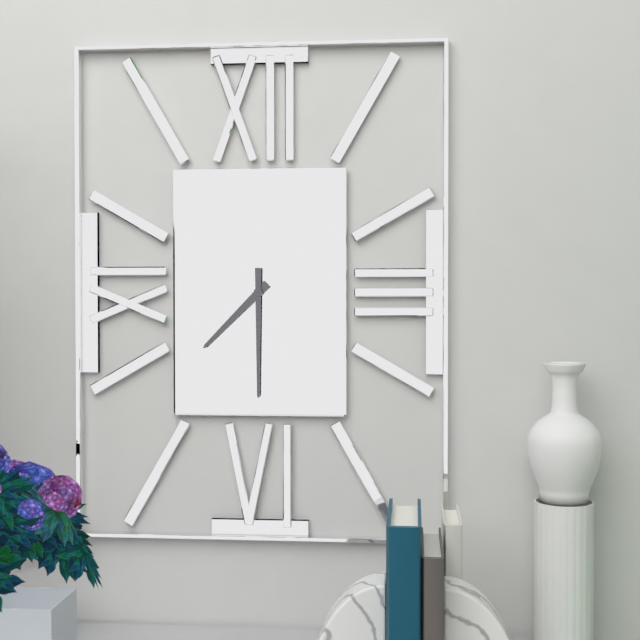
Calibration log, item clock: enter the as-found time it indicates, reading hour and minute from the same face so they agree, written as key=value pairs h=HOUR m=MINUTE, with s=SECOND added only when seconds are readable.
h=7 m=30
